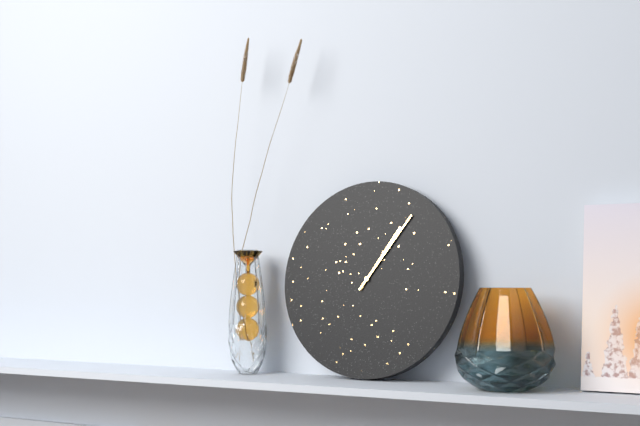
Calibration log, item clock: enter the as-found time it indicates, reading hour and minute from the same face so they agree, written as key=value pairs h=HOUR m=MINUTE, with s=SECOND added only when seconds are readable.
h=1 m=6
